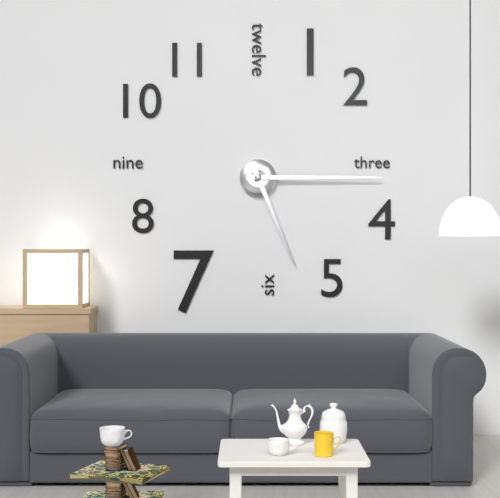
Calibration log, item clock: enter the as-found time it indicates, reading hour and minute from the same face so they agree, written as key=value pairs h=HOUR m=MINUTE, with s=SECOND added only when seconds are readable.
h=5 m=15
